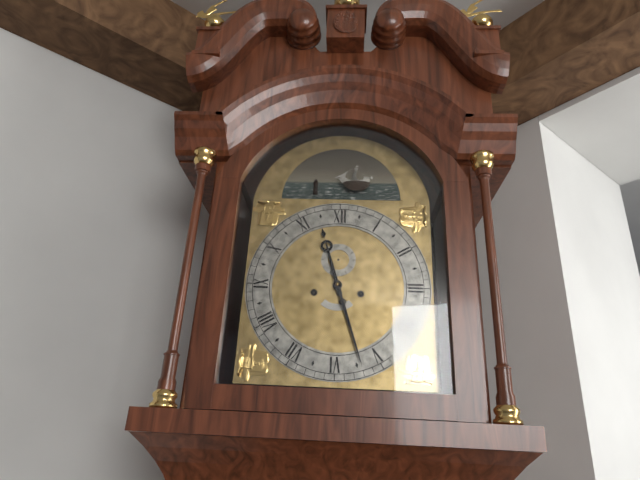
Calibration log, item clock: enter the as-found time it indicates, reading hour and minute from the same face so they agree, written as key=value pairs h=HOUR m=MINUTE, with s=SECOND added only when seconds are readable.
h=11 m=27
